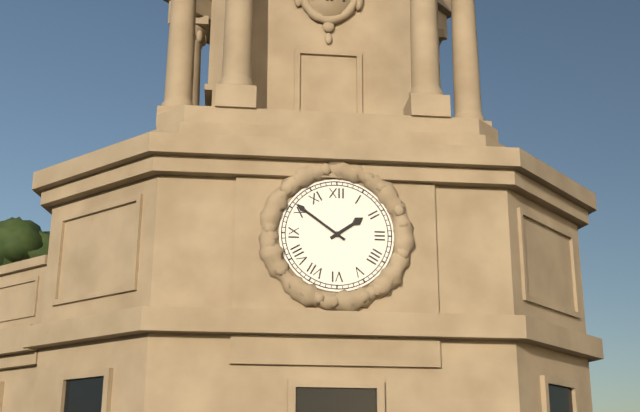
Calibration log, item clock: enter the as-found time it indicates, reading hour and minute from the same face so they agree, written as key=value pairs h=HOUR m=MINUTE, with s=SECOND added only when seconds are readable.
h=1 m=51
